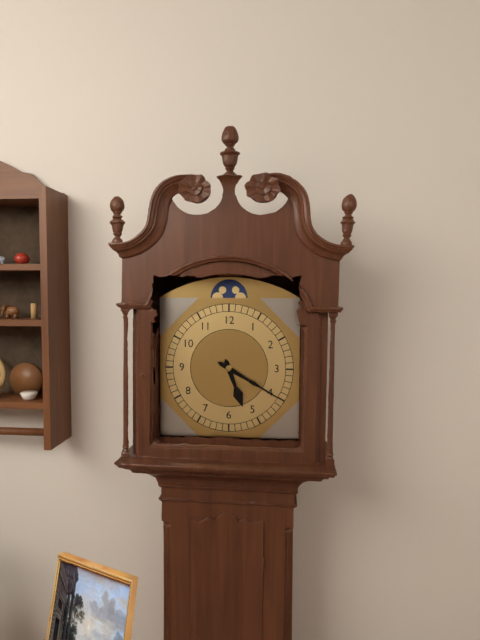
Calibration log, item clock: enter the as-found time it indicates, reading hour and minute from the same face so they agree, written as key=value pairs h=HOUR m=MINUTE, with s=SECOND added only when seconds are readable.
h=5 m=20
